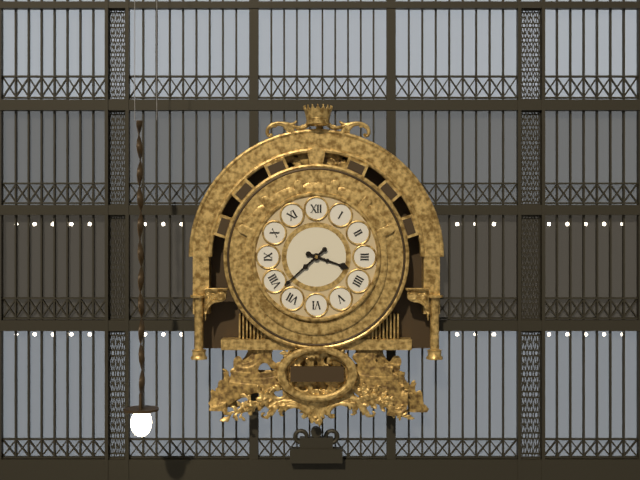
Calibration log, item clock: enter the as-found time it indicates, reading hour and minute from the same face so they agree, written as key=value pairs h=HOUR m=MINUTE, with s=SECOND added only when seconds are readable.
h=3 m=38
